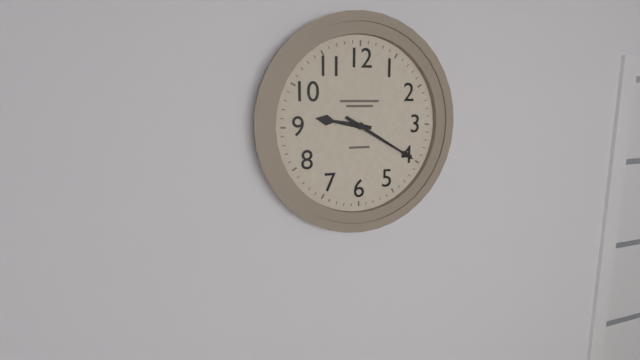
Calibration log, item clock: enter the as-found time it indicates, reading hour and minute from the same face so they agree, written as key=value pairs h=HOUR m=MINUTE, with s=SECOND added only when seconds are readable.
h=9 m=20
